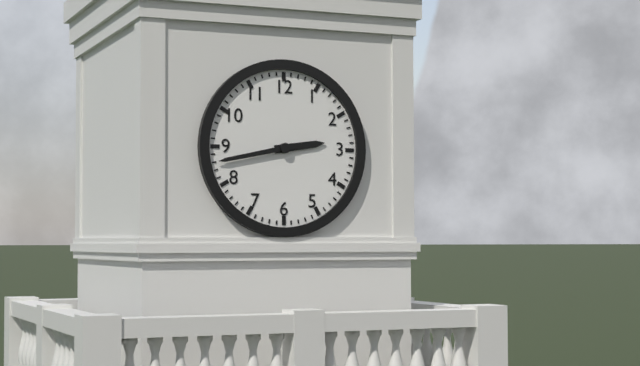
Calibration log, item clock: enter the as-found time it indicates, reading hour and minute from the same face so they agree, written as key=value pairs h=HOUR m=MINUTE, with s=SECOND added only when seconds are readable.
h=2 m=43
